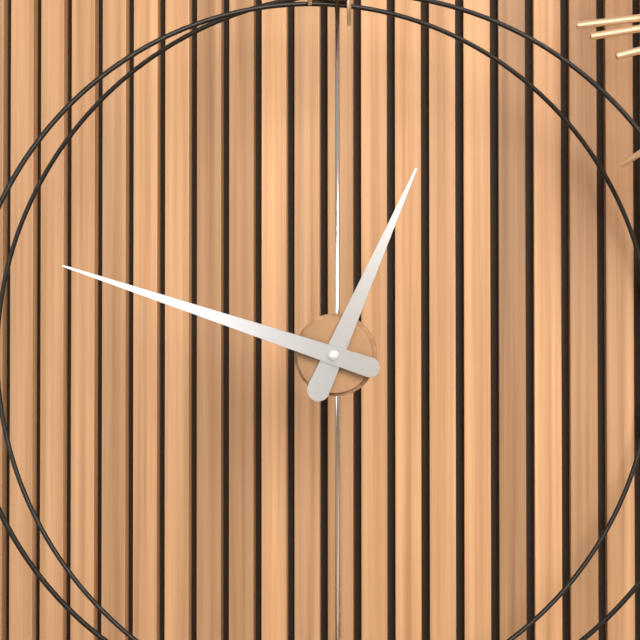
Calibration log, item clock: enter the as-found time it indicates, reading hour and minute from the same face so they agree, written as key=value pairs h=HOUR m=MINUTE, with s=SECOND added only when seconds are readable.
h=12 m=48
